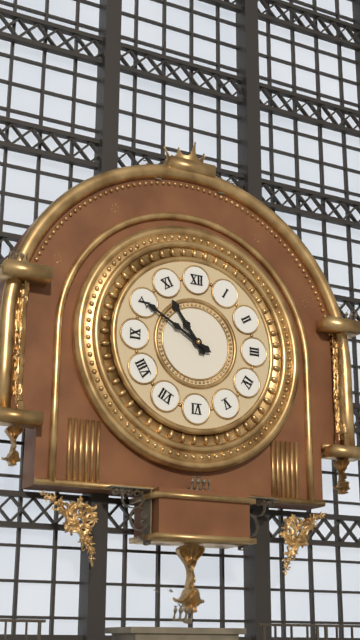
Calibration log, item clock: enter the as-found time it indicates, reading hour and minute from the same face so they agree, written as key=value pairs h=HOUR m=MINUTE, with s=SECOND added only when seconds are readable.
h=10 m=50
